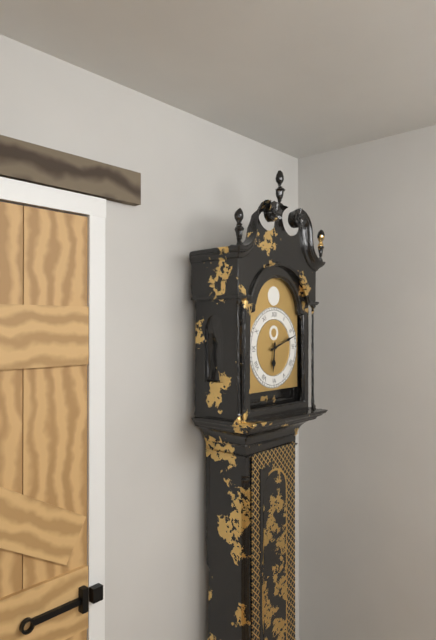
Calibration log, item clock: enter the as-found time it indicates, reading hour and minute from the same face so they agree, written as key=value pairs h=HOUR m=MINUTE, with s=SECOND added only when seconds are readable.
h=6 m=12
